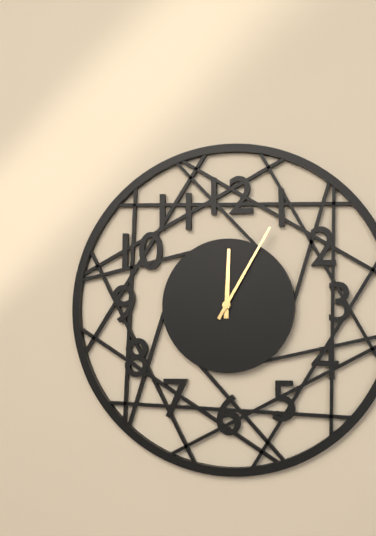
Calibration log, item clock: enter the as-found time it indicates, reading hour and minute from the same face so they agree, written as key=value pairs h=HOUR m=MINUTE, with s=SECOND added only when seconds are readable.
h=12 m=5
